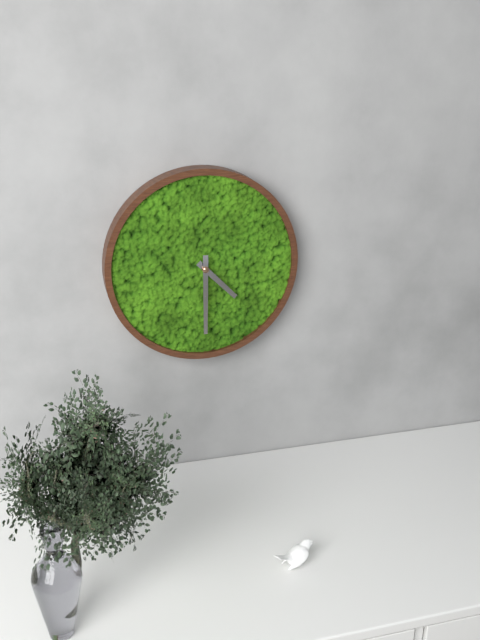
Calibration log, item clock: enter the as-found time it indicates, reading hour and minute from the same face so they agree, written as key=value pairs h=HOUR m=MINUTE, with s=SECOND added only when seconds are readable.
h=4 m=30
